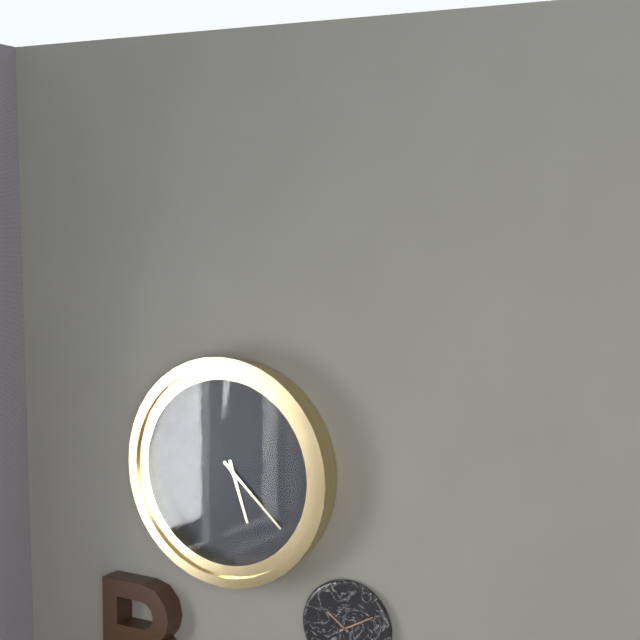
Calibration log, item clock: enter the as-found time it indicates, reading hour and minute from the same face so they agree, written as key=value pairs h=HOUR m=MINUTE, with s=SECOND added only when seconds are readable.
h=5 m=22
